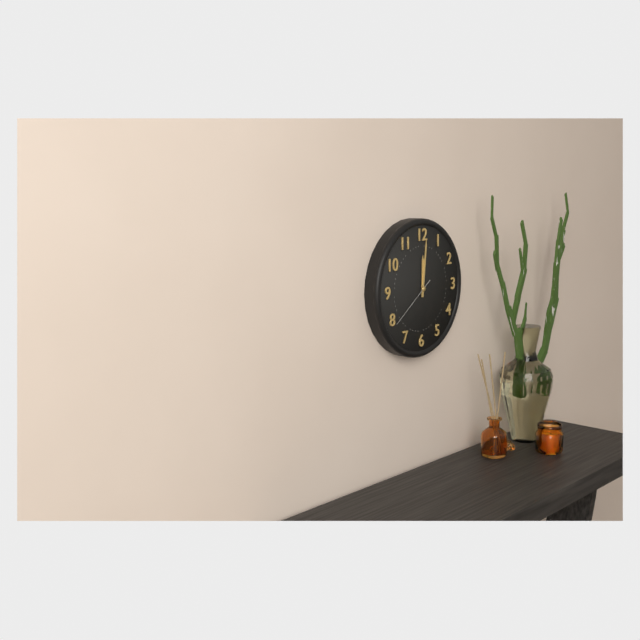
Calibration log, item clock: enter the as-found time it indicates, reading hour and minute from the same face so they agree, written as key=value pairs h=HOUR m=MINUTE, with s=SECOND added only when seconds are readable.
h=12 m=1
